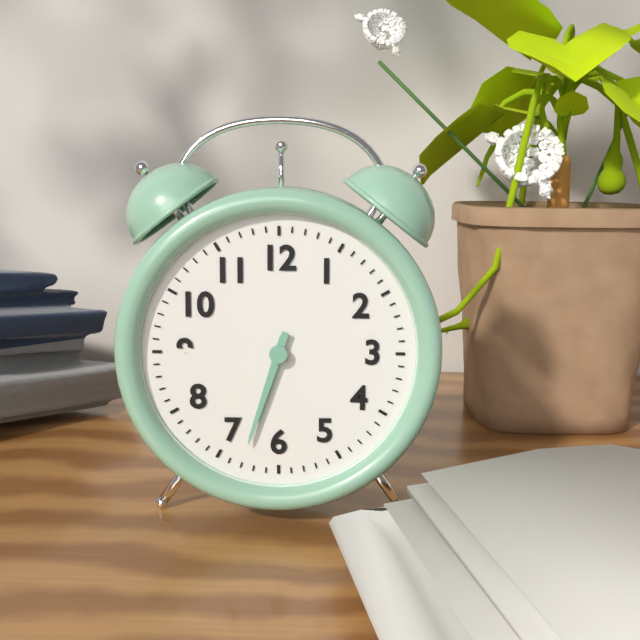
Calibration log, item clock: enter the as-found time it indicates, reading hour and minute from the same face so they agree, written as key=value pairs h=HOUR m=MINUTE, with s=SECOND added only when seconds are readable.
h=6 m=33
